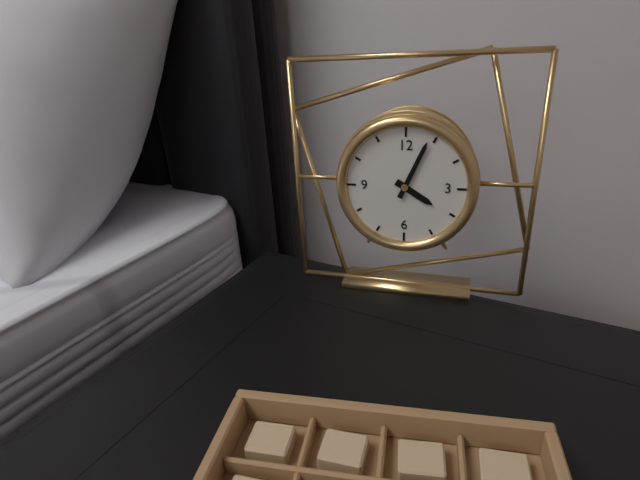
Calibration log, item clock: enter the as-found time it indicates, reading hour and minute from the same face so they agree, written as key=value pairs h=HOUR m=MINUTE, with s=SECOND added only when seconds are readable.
h=4 m=4
